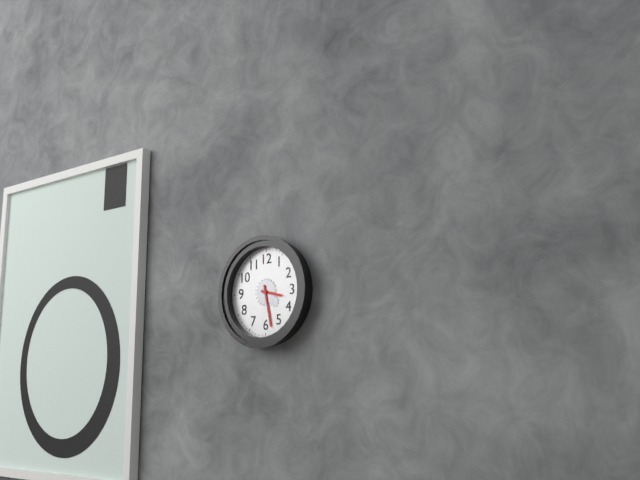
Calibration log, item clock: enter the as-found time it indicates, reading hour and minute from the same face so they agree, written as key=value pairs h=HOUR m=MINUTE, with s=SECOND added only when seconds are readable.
h=3 m=28
